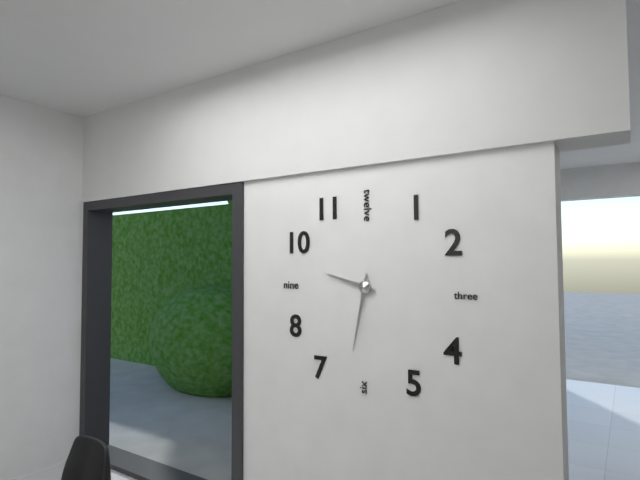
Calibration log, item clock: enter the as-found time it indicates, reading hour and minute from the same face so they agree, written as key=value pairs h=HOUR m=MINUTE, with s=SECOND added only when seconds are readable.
h=9 m=32
